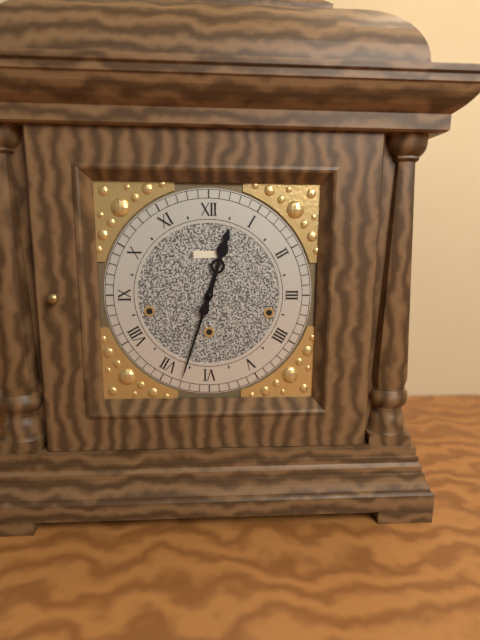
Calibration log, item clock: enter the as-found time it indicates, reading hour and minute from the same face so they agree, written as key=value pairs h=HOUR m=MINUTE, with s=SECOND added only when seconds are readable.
h=12 m=33
